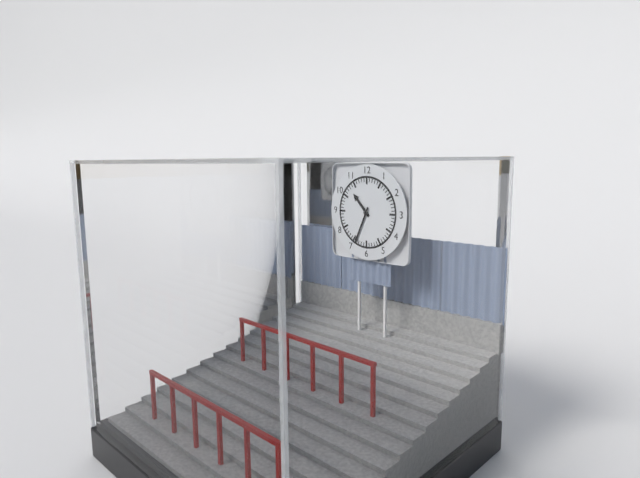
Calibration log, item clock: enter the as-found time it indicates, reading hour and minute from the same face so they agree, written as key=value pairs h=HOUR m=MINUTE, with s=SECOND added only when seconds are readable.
h=10 m=34
